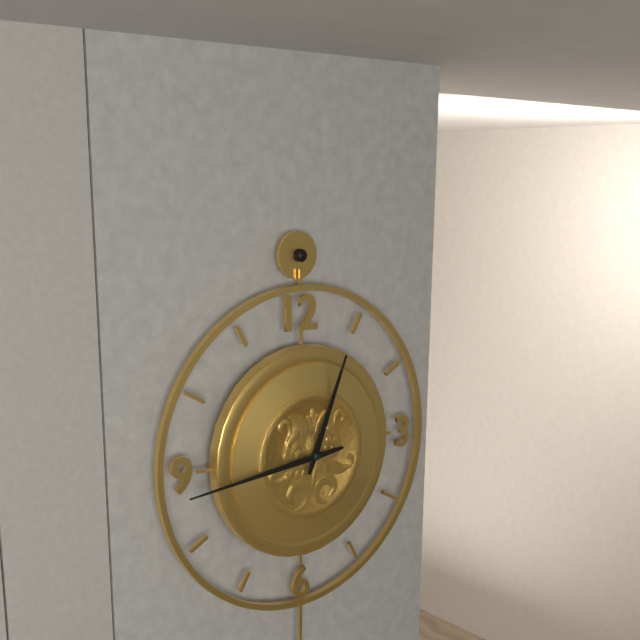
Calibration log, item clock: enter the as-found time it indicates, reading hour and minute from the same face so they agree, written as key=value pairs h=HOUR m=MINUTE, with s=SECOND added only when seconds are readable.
h=12 m=44
